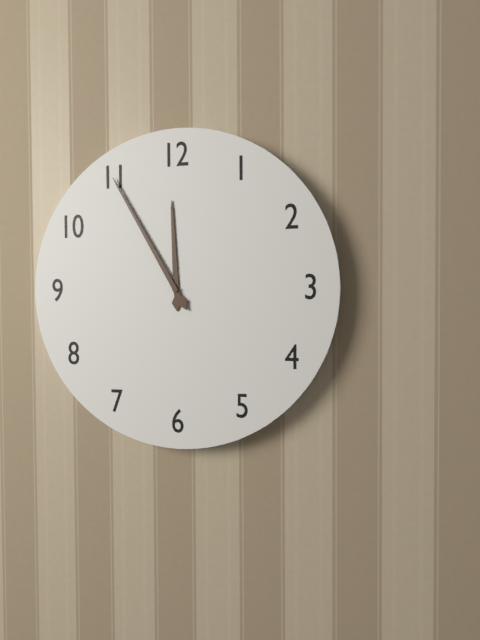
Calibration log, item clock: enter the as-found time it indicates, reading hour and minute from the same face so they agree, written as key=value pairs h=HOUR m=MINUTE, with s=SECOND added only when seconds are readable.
h=11 m=55
